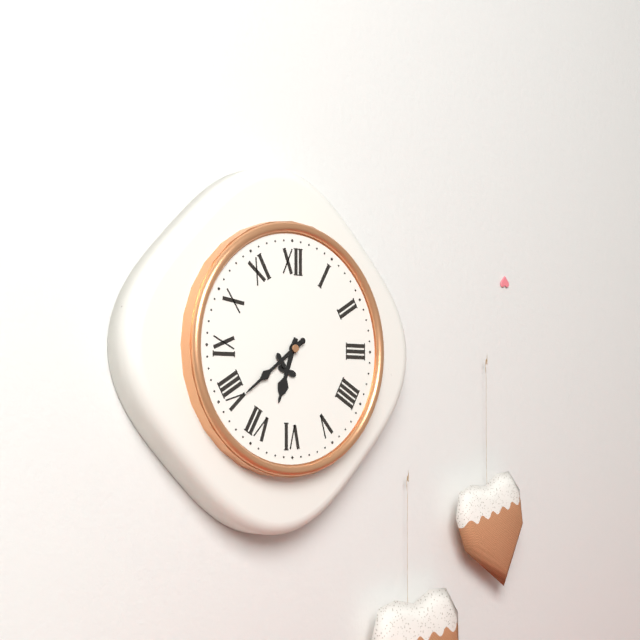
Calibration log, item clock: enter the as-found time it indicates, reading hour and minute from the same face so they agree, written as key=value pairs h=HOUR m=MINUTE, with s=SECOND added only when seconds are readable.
h=6 m=39
